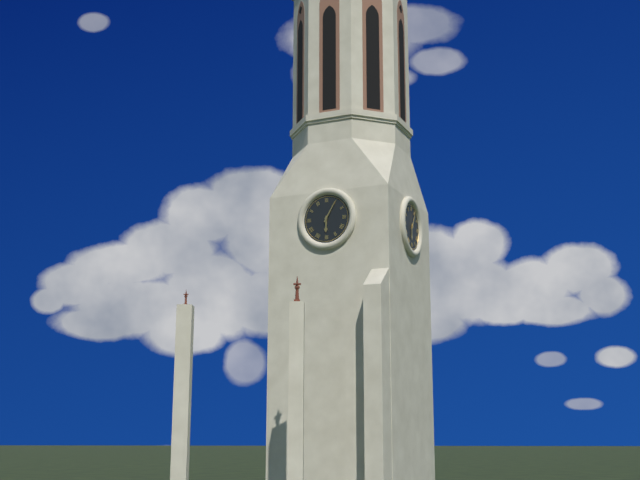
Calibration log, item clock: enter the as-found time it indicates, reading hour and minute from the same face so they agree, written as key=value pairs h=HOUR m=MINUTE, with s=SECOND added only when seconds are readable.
h=6 m=5
